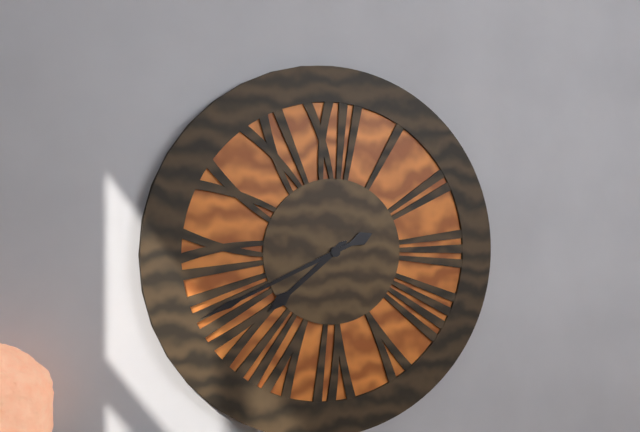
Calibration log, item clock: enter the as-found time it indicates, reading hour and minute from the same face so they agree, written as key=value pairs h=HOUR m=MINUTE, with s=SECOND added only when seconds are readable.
h=7 m=41
